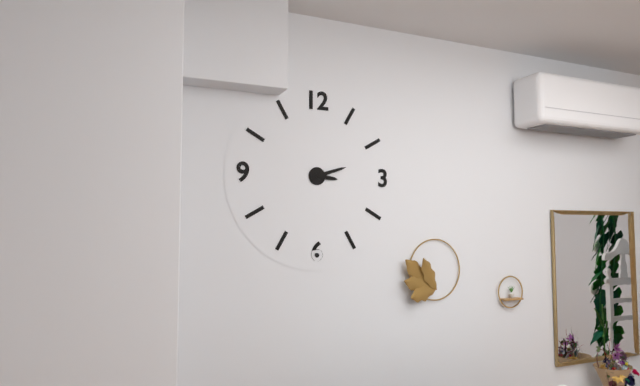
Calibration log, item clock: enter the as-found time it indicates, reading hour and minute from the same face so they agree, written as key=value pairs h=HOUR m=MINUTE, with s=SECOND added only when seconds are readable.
h=3 m=12
